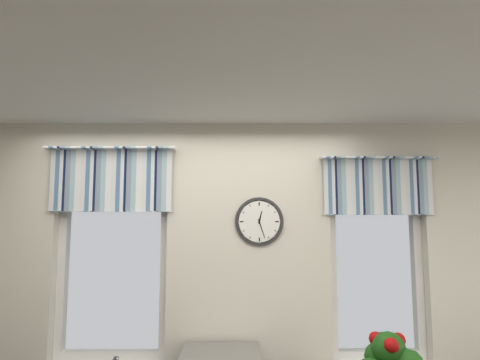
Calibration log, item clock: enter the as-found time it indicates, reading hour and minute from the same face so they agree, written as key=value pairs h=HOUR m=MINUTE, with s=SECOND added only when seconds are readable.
h=12 m=27
